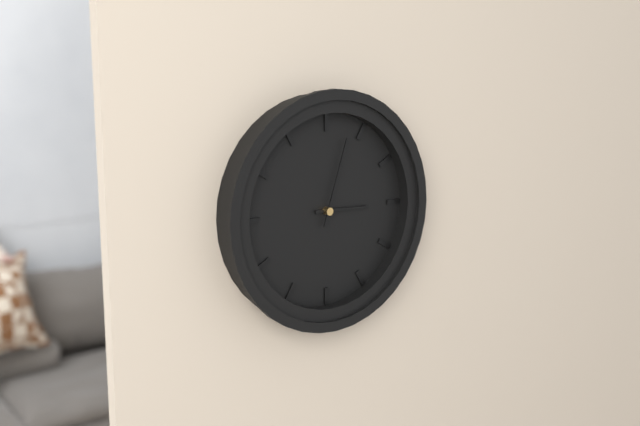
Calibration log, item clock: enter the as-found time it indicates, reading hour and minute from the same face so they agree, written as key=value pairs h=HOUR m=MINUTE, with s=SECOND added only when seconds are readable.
h=3 m=3
